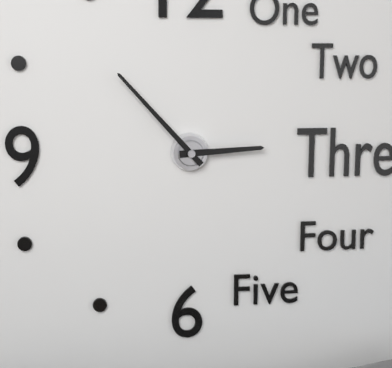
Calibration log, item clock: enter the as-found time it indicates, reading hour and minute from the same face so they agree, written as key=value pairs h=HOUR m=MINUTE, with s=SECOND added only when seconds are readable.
h=2 m=53
